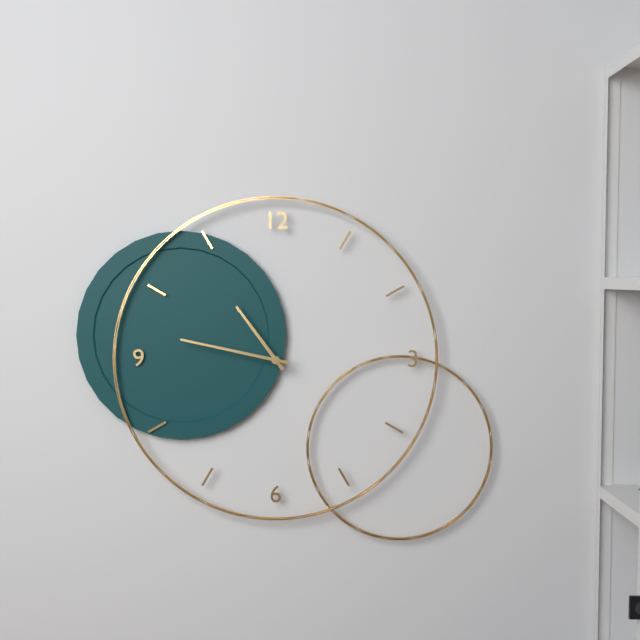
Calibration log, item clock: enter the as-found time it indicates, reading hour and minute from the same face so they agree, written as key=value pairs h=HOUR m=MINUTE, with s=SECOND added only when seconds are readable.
h=10 m=47
